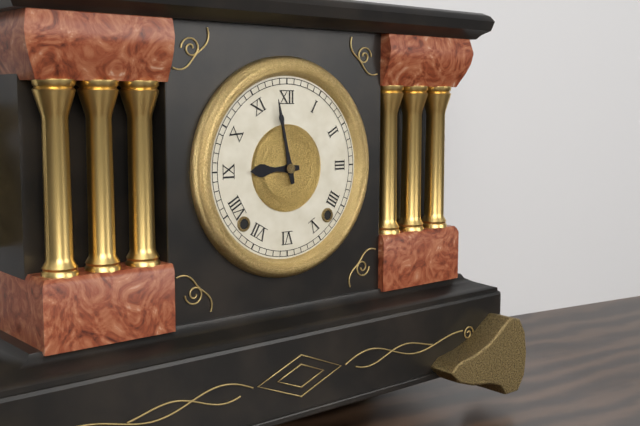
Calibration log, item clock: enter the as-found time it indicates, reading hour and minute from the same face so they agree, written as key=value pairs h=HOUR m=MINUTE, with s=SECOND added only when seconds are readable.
h=8 m=58
